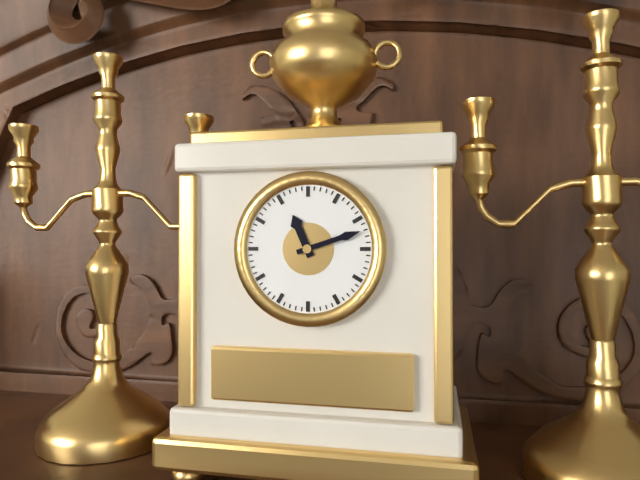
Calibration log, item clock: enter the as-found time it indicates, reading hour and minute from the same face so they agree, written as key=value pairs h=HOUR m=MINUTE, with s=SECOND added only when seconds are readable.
h=11 m=12
